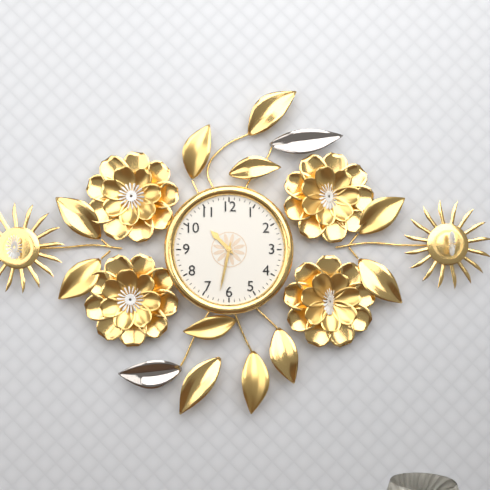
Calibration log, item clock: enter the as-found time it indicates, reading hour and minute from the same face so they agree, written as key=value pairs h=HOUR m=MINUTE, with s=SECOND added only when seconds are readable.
h=10 m=32
